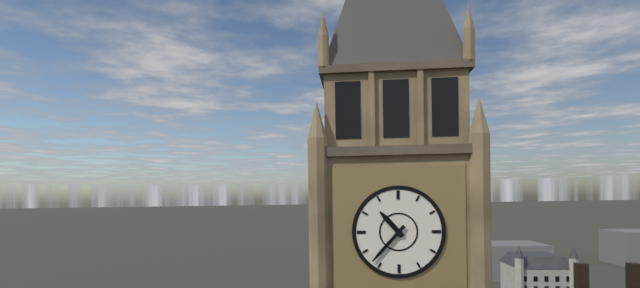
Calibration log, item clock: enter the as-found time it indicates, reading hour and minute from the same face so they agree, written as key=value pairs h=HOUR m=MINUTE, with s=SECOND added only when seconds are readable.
h=10 m=37
